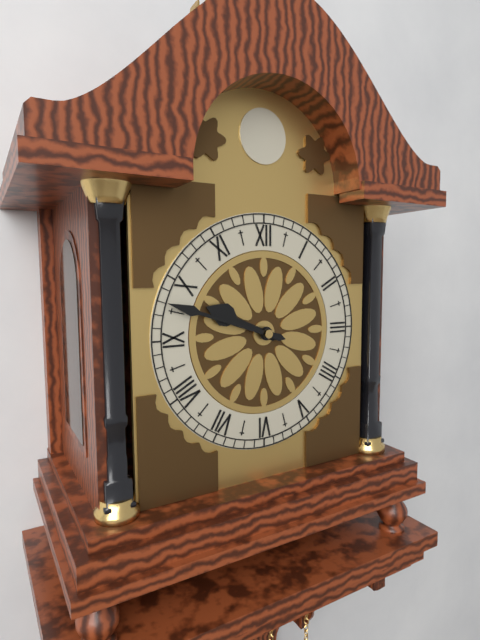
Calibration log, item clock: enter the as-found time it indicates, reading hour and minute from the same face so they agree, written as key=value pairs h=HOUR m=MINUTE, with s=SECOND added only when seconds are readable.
h=9 m=48
